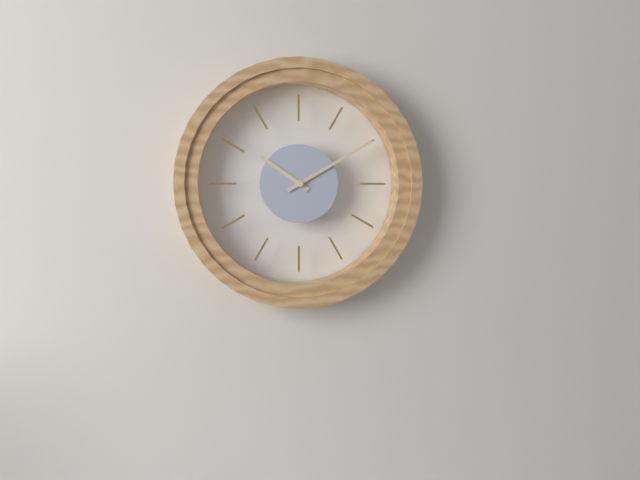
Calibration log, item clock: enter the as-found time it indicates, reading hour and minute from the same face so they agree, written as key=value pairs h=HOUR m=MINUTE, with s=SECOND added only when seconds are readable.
h=10 m=10
